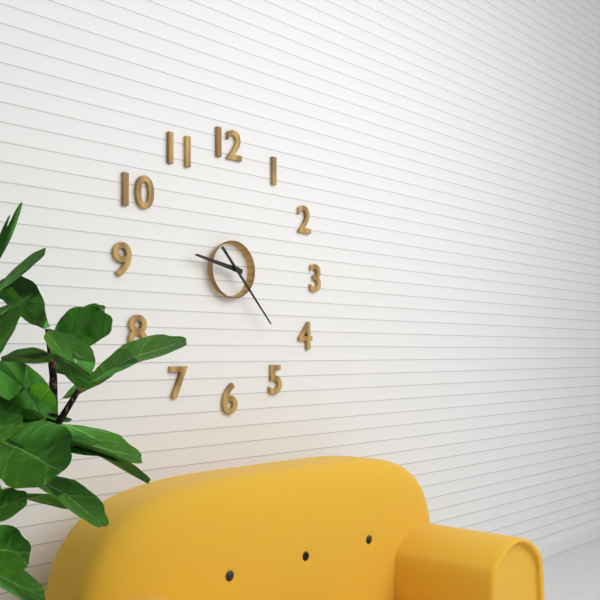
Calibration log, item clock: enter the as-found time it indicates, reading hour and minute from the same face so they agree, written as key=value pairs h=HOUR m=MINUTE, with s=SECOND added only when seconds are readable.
h=9 m=23
